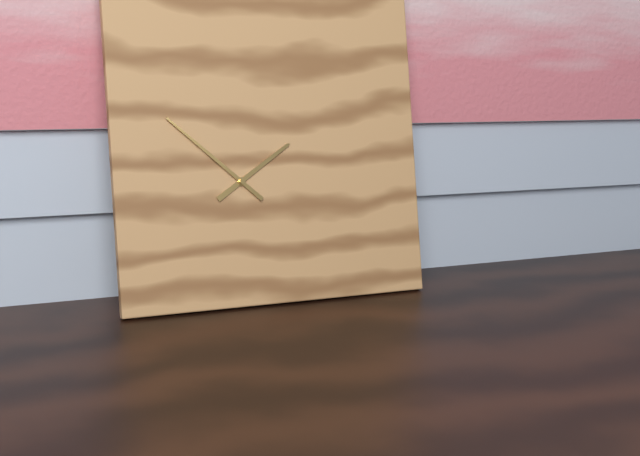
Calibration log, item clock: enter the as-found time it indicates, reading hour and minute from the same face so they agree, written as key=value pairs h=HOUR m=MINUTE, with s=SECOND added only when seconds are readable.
h=1 m=52
